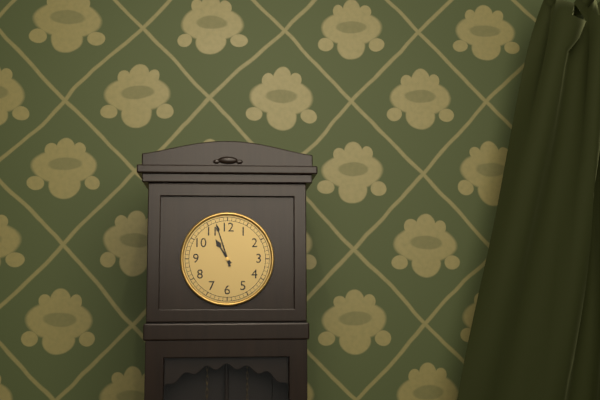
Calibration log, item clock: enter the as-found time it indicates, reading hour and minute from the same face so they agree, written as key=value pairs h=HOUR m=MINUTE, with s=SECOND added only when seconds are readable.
h=10 m=57
